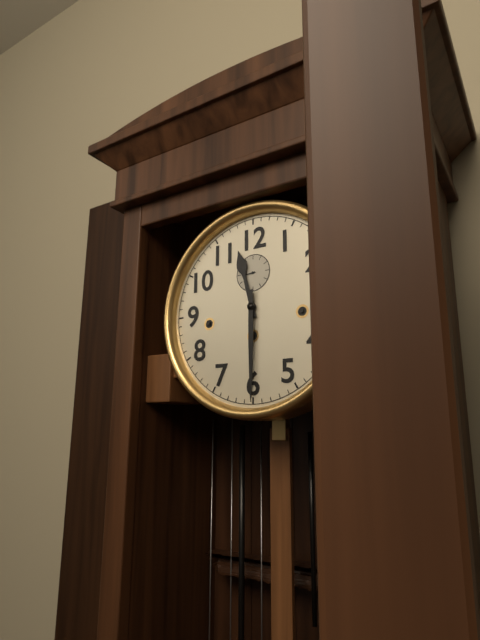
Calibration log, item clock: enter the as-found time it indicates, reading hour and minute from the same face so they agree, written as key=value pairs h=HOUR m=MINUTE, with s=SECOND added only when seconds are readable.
h=11 m=30
